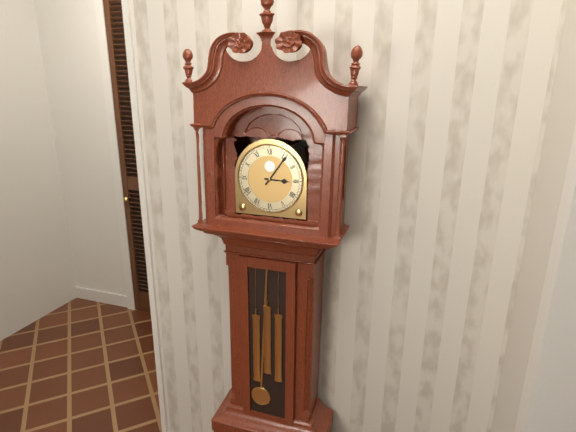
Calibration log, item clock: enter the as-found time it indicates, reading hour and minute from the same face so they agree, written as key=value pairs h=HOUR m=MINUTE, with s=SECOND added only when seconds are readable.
h=3 m=6
